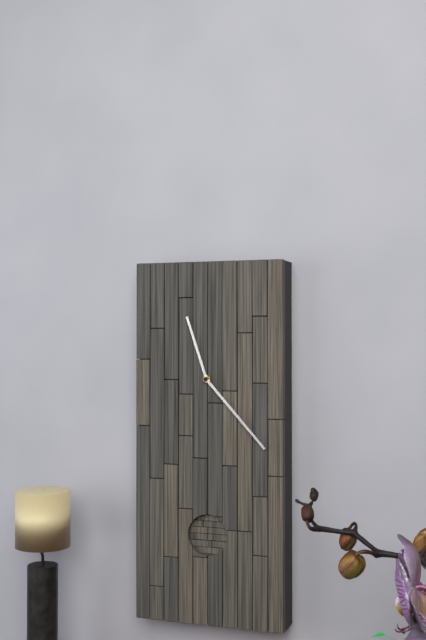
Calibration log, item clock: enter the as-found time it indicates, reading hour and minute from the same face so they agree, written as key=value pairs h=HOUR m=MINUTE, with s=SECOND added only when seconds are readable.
h=11 m=23
